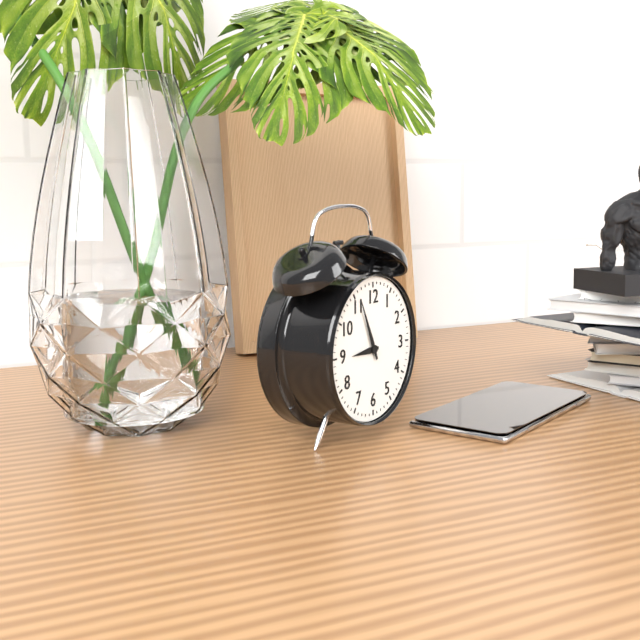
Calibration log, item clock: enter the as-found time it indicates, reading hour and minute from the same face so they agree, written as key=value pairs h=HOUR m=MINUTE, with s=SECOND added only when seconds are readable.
h=8 m=56
